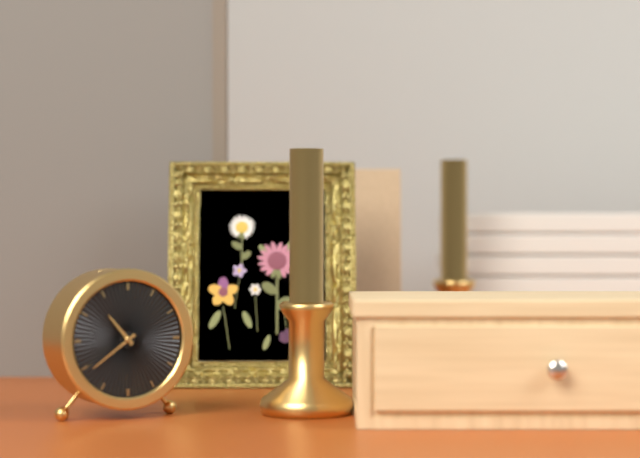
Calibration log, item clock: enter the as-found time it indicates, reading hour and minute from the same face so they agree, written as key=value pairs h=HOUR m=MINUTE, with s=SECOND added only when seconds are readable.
h=10 m=39
